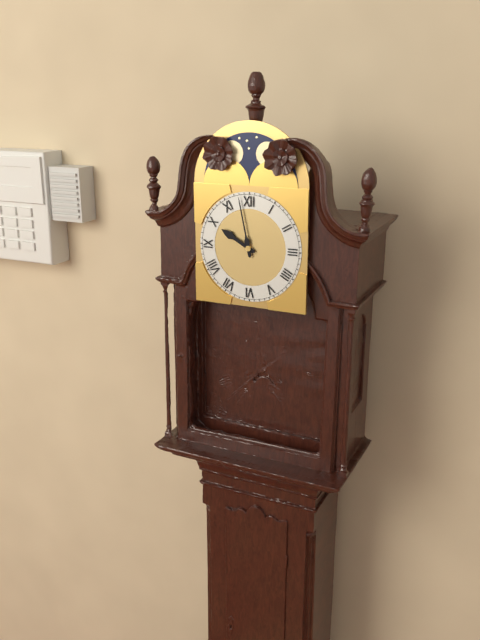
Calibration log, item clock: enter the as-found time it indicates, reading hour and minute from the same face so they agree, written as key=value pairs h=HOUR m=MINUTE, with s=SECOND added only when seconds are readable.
h=9 m=58
